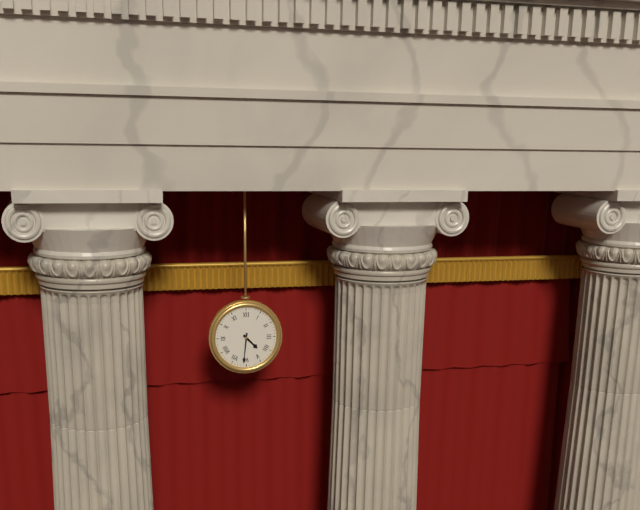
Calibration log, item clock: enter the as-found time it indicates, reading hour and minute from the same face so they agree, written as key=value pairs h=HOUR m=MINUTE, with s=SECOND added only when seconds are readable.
h=4 m=31
